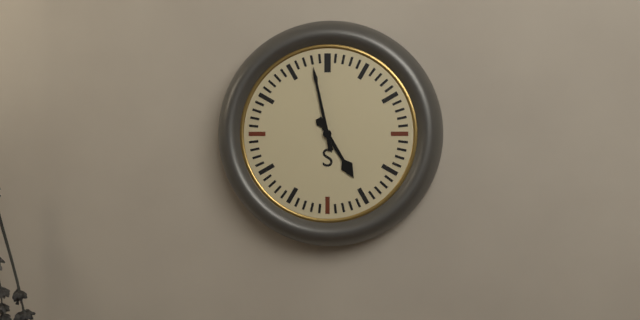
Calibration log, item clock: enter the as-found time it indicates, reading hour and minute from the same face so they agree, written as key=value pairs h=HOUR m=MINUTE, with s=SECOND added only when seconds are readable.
h=4 m=58
